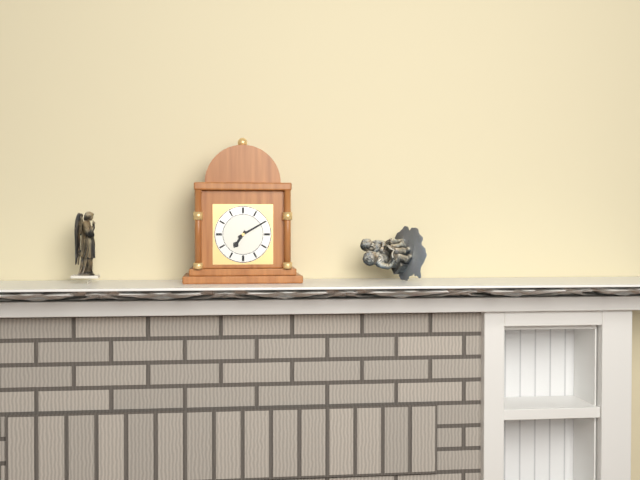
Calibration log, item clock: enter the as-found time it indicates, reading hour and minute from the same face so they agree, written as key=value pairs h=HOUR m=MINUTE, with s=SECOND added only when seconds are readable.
h=7 m=10
